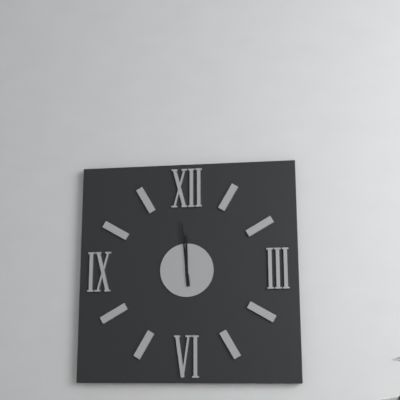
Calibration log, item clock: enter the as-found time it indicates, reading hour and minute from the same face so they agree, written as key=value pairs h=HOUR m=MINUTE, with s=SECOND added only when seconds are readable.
h=11 m=59
